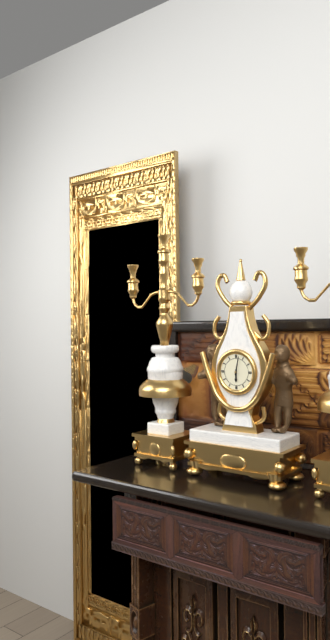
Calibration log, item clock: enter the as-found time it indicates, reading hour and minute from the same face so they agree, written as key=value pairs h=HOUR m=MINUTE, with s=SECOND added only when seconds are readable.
h=6 m=2
